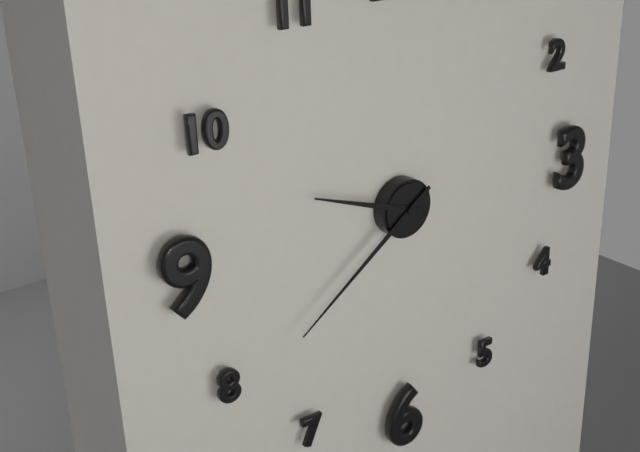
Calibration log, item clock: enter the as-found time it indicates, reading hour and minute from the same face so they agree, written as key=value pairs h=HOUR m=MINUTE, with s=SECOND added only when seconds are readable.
h=9 m=39
